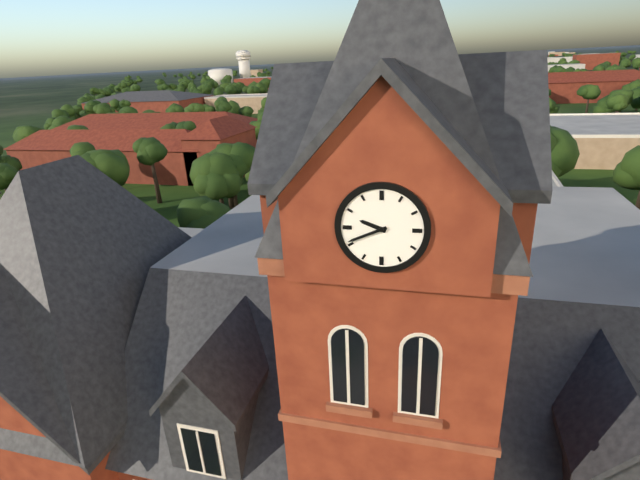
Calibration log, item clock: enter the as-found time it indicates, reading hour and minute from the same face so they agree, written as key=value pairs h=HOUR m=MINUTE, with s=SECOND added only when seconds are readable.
h=9 m=41
